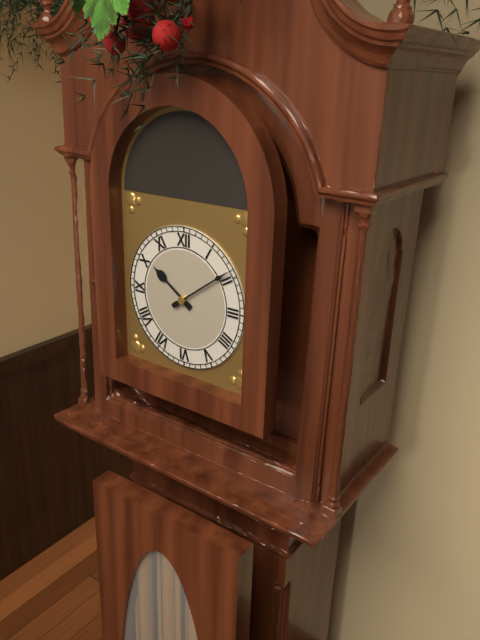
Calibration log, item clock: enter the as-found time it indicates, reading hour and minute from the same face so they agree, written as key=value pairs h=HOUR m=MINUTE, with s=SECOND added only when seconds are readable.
h=10 m=9
